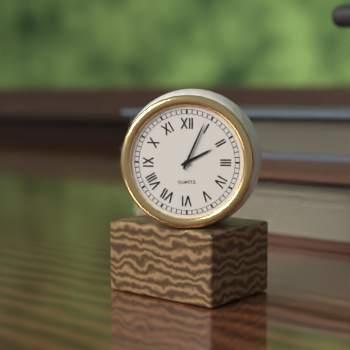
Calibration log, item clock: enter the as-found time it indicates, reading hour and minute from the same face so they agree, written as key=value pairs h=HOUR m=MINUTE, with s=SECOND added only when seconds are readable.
h=2 m=4
